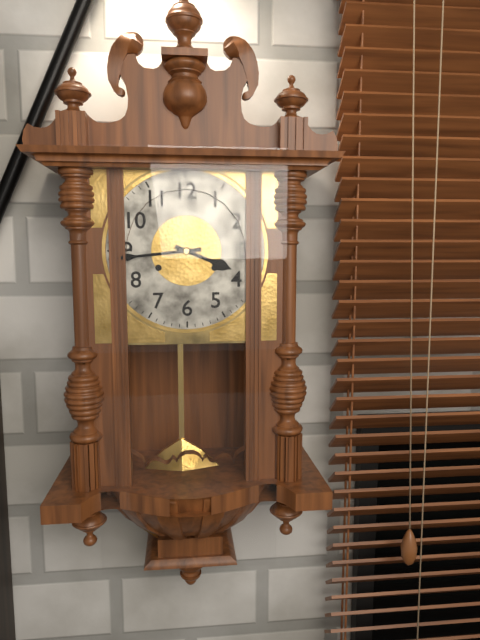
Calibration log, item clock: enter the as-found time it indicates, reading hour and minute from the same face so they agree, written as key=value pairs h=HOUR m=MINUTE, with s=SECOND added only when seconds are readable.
h=3 m=44
